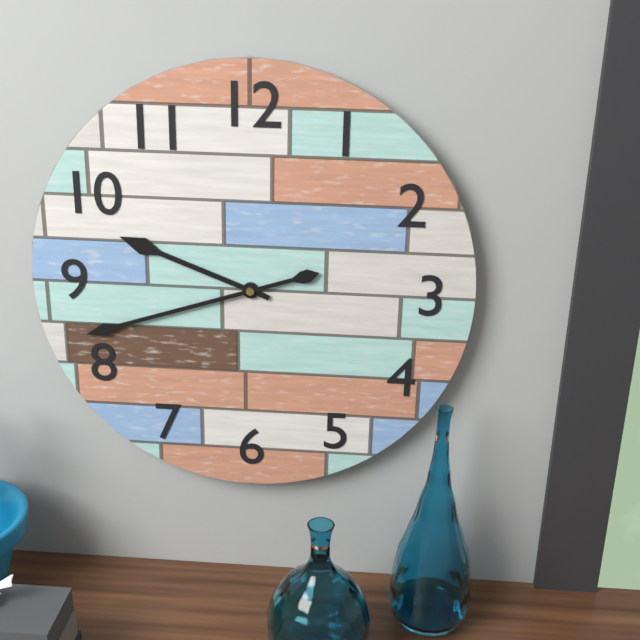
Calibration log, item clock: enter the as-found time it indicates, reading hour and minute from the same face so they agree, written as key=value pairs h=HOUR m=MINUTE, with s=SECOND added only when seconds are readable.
h=9 m=42
